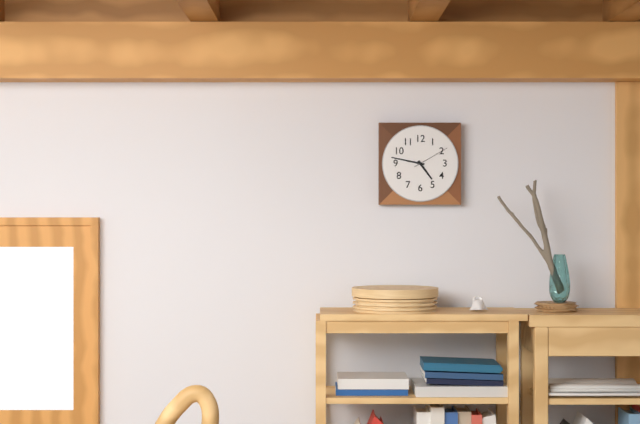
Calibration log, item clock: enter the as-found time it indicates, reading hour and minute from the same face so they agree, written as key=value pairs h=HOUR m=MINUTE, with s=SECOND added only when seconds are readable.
h=4 m=47
